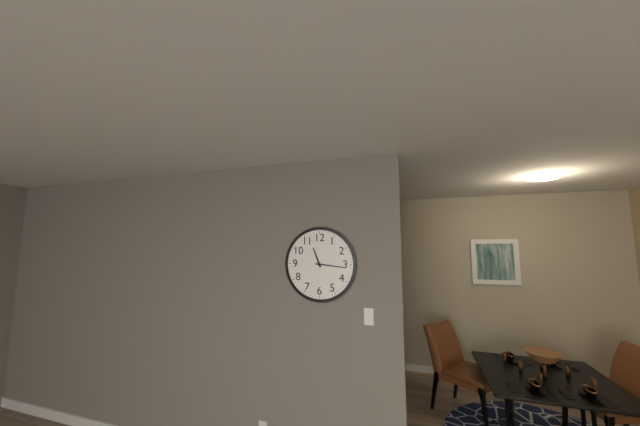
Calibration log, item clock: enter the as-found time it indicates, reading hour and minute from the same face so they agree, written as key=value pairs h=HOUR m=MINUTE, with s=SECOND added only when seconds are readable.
h=11 m=16
